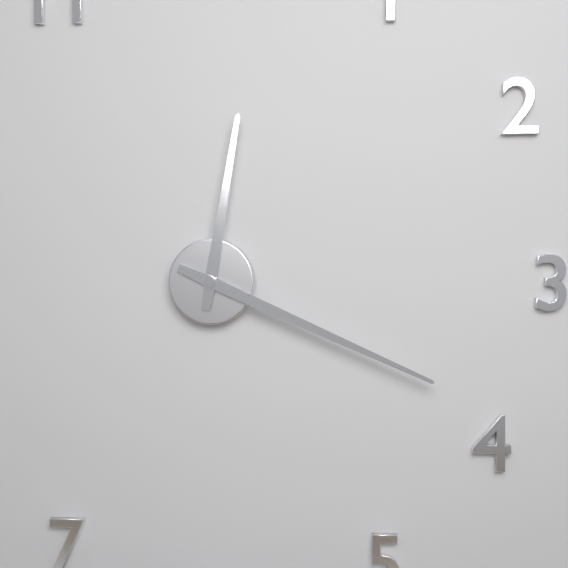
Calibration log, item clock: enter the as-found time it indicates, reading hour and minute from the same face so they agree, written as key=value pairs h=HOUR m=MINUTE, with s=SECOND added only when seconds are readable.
h=12 m=19
